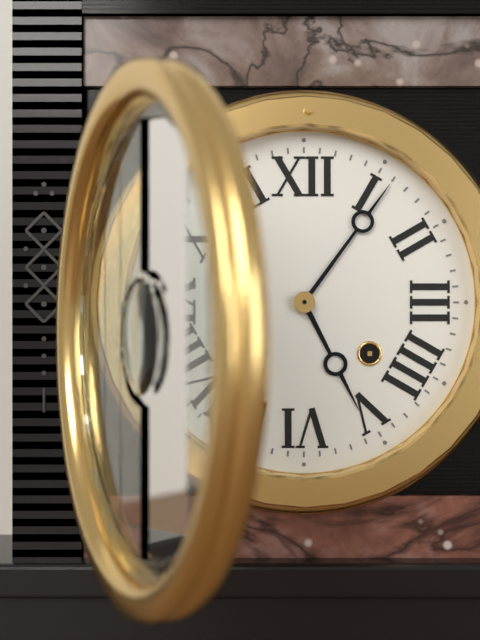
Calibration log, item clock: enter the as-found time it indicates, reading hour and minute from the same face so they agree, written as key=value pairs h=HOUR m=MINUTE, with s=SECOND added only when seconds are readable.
h=5 m=6
